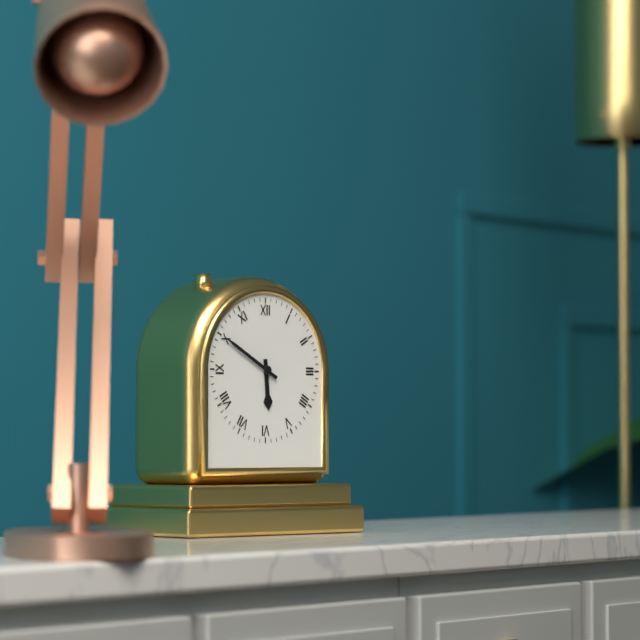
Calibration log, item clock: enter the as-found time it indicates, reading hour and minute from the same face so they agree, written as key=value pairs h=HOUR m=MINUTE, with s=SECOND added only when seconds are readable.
h=5 m=50
